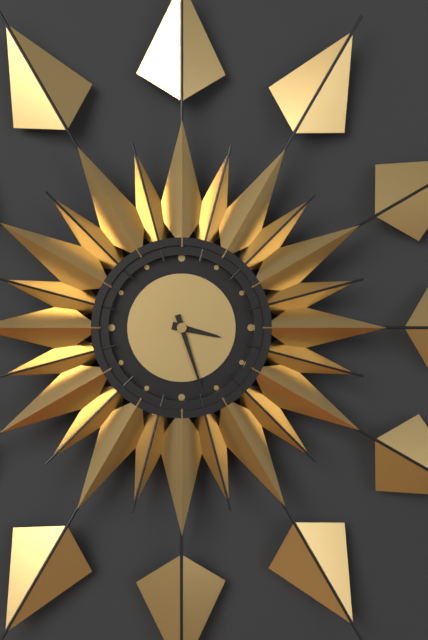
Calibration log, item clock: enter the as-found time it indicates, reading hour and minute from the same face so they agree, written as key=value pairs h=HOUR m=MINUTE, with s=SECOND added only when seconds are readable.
h=3 m=27
